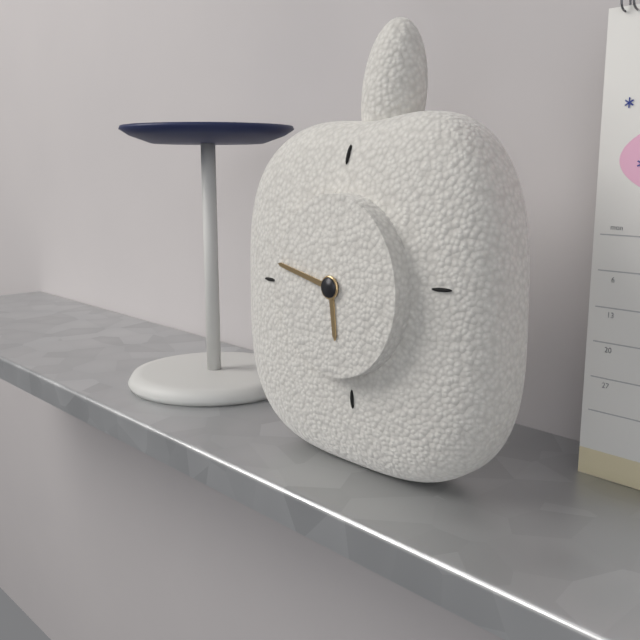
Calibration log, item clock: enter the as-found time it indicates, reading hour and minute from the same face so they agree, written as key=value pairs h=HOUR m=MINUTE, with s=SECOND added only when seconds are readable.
h=5 m=47
